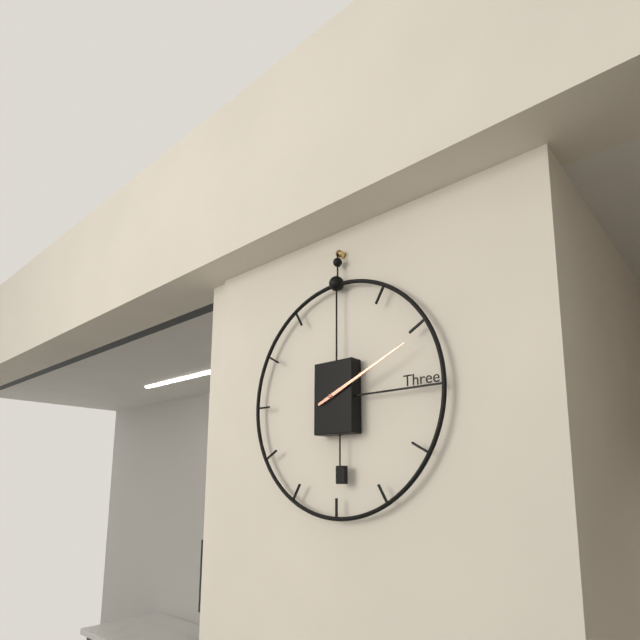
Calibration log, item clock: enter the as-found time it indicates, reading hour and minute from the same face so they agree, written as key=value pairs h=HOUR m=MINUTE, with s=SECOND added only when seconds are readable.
h=2 m=11
